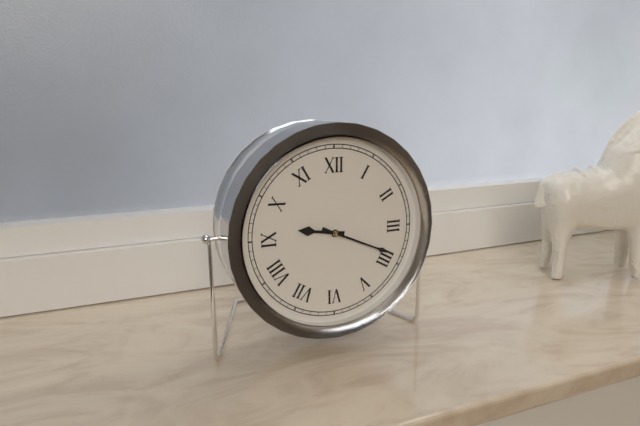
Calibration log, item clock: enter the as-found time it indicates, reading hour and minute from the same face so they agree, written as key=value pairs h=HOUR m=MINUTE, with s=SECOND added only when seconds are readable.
h=9 m=19
